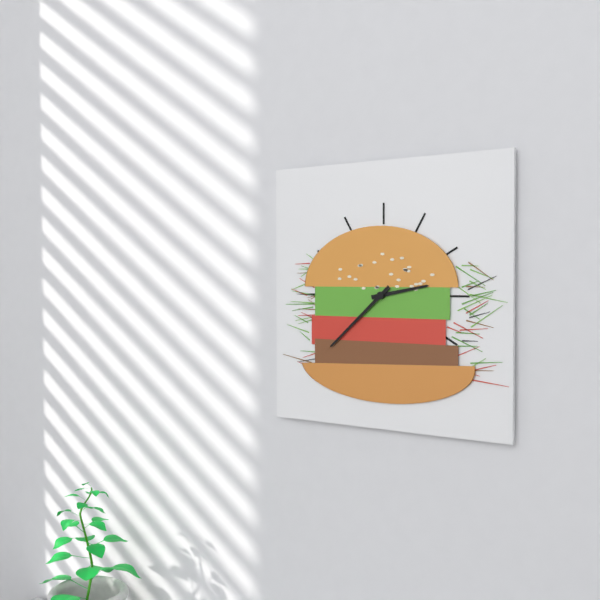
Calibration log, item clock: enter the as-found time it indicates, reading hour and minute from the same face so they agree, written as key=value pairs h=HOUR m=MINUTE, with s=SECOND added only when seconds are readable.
h=2 m=38
